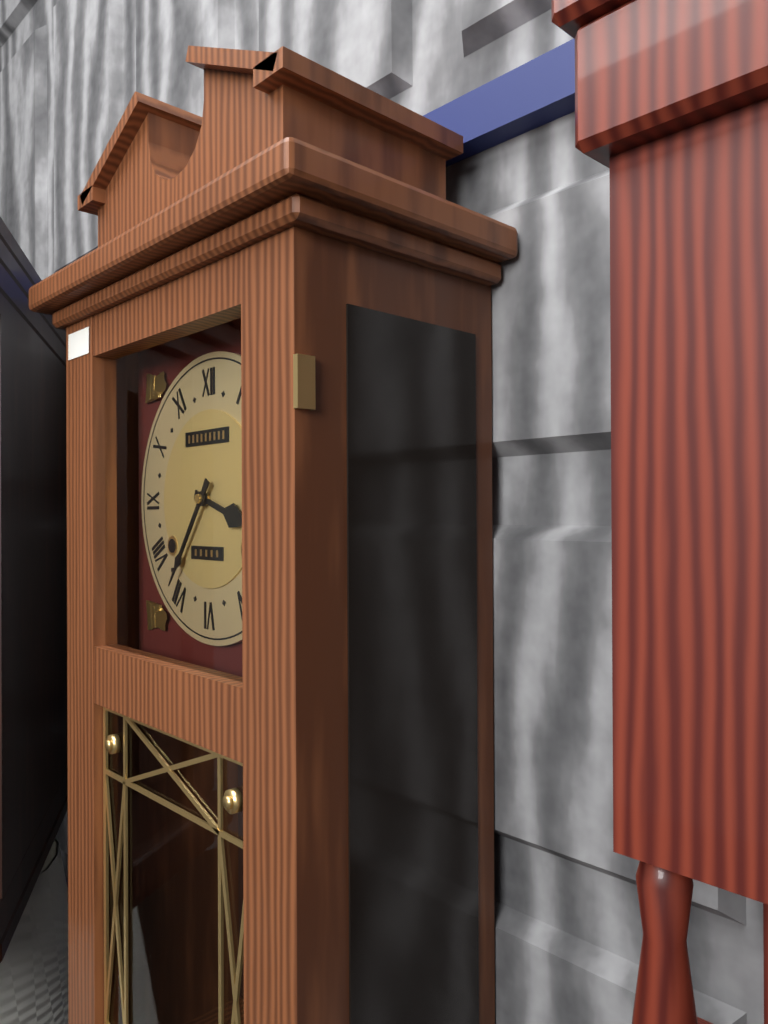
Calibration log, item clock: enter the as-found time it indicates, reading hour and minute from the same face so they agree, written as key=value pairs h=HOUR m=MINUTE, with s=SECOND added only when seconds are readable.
h=3 m=36
